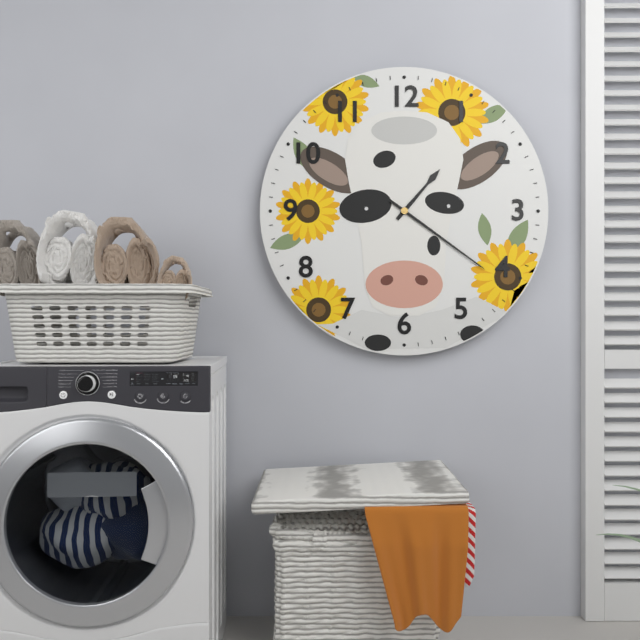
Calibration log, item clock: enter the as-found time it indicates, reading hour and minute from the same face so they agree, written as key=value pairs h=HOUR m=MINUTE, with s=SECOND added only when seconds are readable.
h=1 m=21
